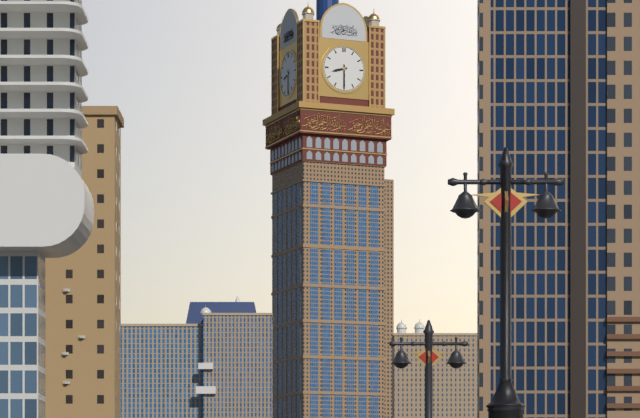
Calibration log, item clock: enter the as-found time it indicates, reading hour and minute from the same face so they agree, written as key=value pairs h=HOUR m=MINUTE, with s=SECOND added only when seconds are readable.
h=8 m=30
